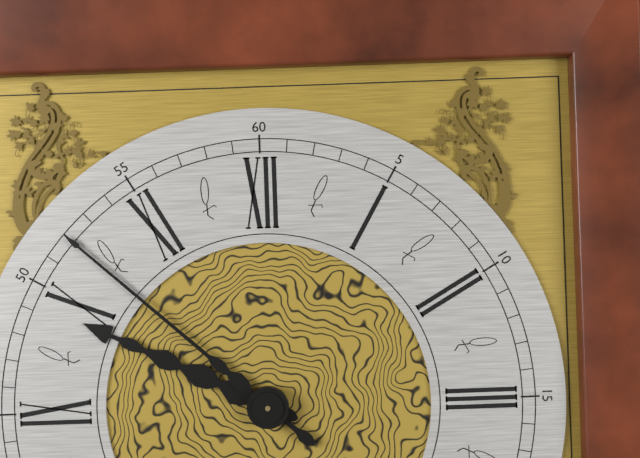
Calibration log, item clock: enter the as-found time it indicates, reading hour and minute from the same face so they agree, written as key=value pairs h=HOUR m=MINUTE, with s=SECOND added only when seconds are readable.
h=9 m=52
